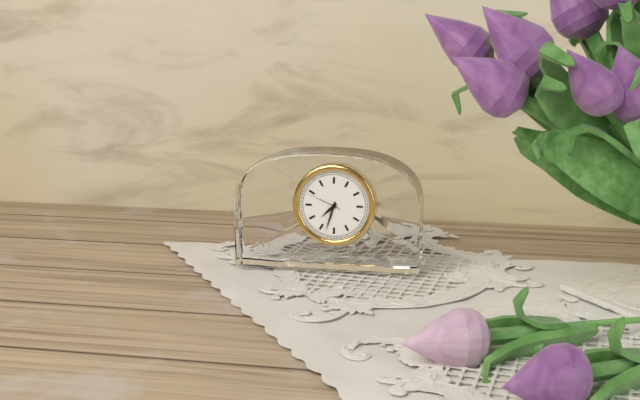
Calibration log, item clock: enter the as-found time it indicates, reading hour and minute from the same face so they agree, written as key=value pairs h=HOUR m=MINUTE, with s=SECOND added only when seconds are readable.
h=7 m=33
